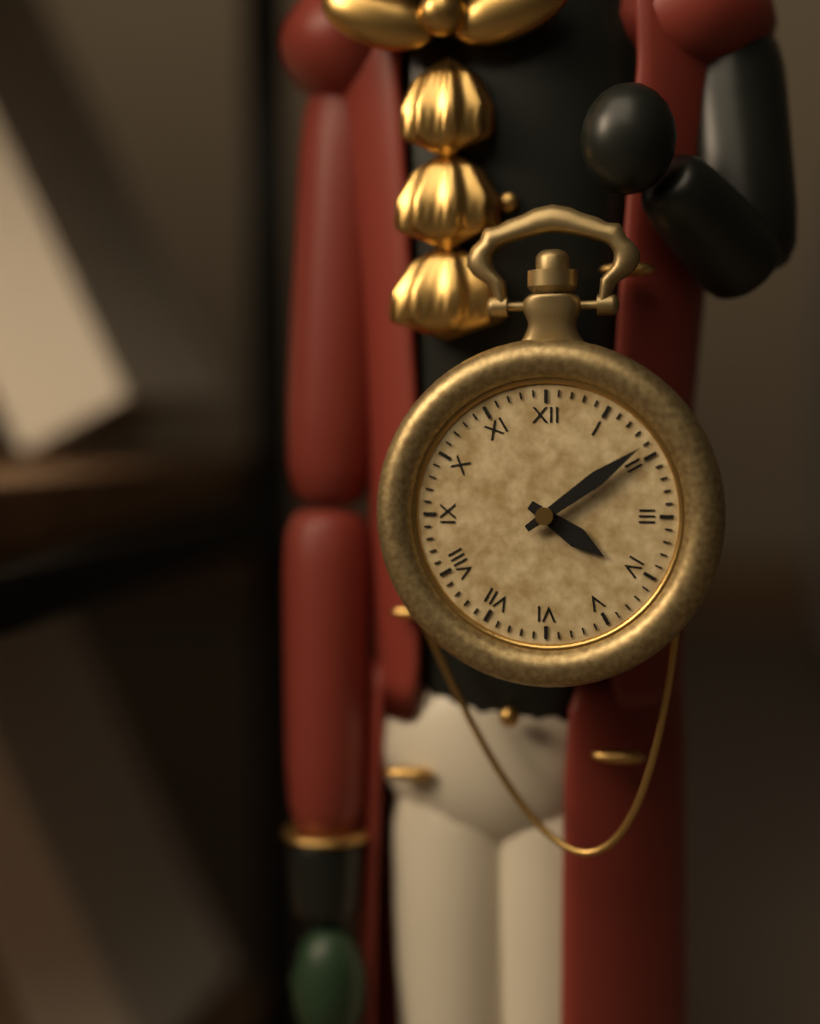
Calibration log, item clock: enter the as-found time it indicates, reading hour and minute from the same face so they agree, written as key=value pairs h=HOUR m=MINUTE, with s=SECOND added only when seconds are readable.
h=4 m=9
